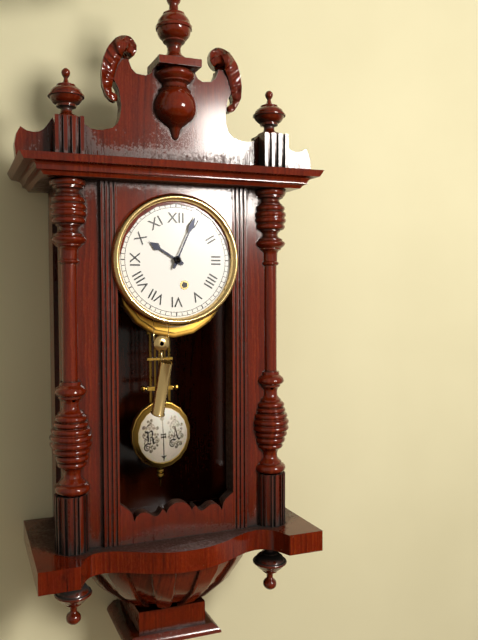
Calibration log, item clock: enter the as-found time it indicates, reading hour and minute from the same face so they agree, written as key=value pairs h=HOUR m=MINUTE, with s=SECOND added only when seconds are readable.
h=10 m=4
